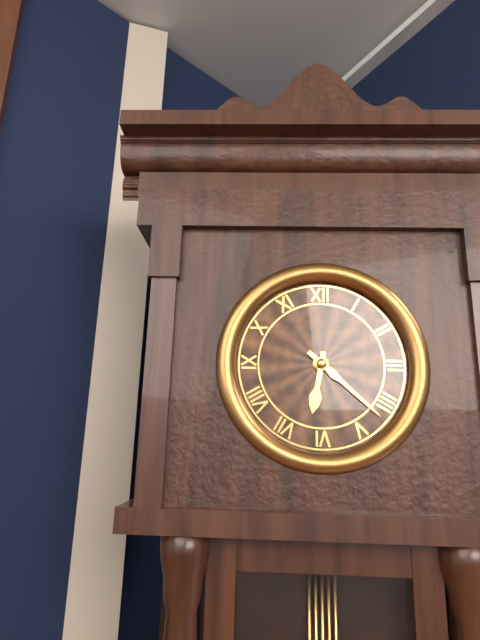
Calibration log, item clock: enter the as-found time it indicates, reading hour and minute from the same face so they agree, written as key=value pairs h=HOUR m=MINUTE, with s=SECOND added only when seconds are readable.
h=6 m=22
